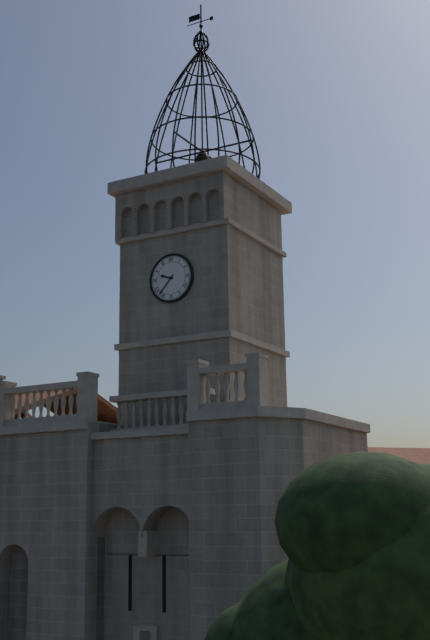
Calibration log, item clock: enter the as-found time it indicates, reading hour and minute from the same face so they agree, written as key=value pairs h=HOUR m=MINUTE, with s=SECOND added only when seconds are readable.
h=9 m=37
